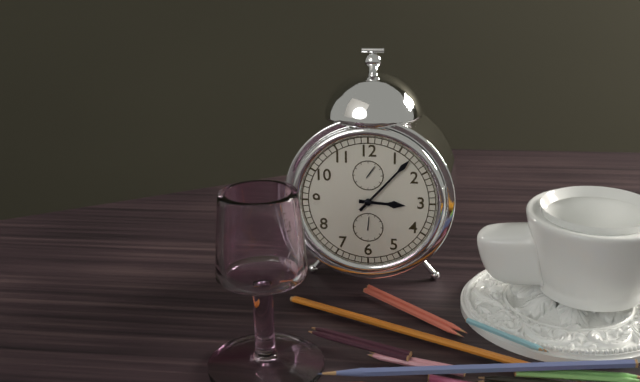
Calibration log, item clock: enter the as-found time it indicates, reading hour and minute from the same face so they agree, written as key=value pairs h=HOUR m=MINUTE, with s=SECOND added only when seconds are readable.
h=3 m=7
